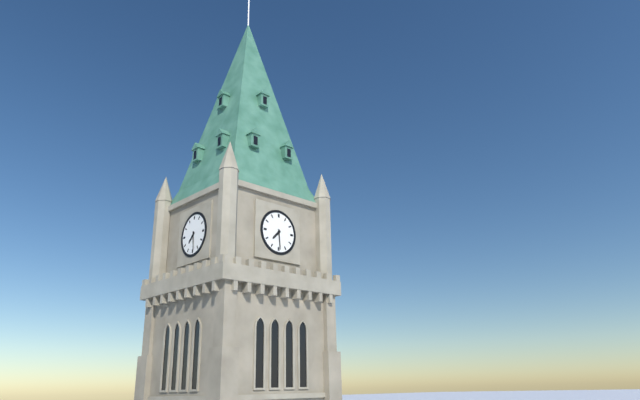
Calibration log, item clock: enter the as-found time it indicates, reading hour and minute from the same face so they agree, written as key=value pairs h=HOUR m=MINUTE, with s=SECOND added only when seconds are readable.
h=7 m=29
